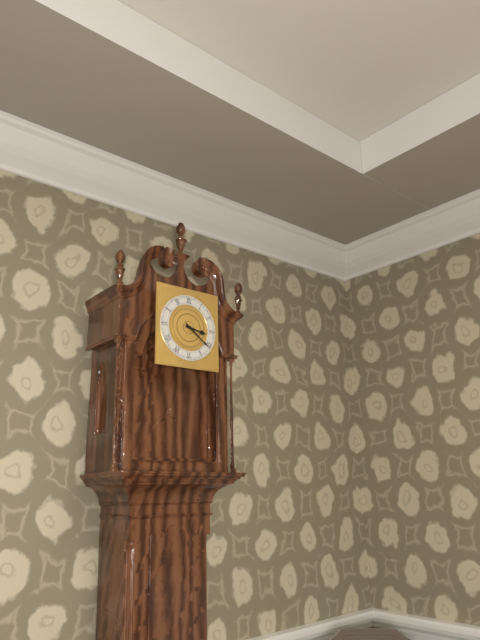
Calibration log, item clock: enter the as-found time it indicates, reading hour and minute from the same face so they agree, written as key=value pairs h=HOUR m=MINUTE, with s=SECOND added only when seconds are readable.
h=3 m=21
